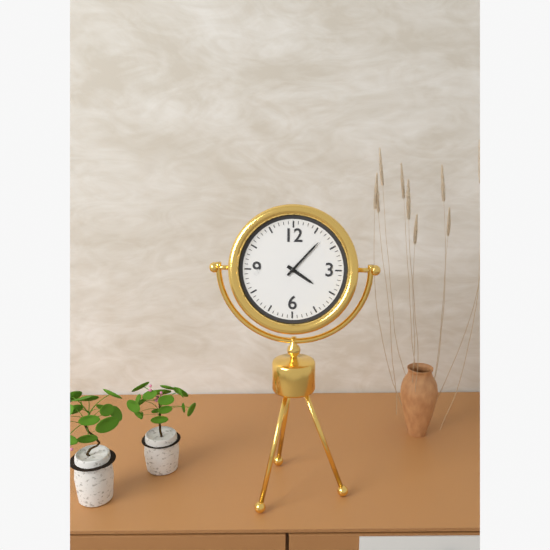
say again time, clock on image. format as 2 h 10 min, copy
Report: 4 h 07 min
